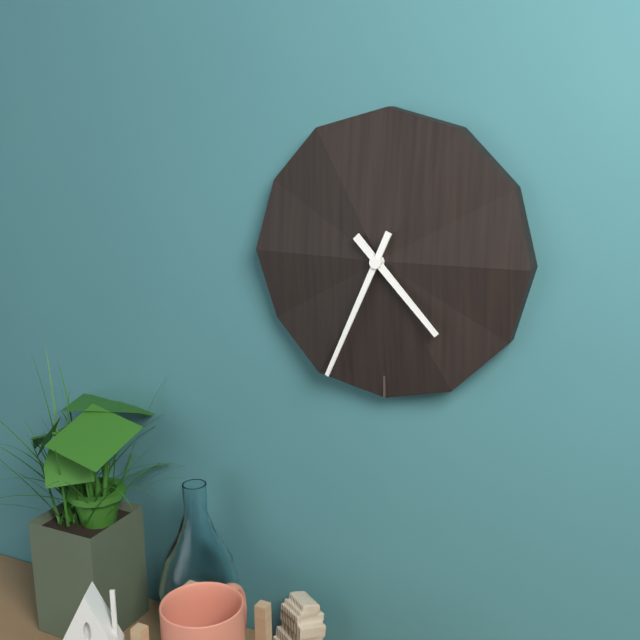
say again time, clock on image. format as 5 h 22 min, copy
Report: 4 h 34 min
